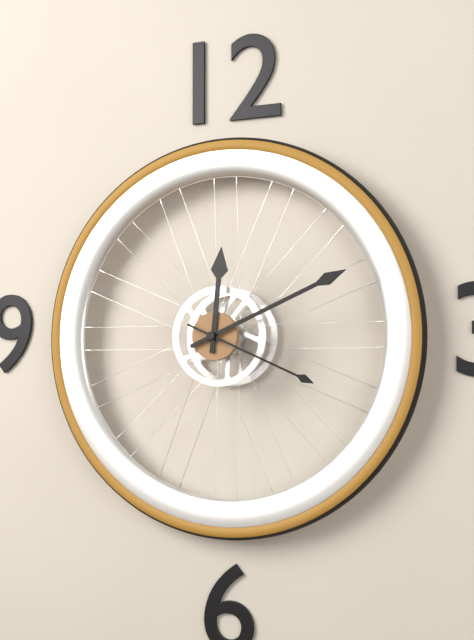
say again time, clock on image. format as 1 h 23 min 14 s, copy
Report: 12 h 11 min 19 s
